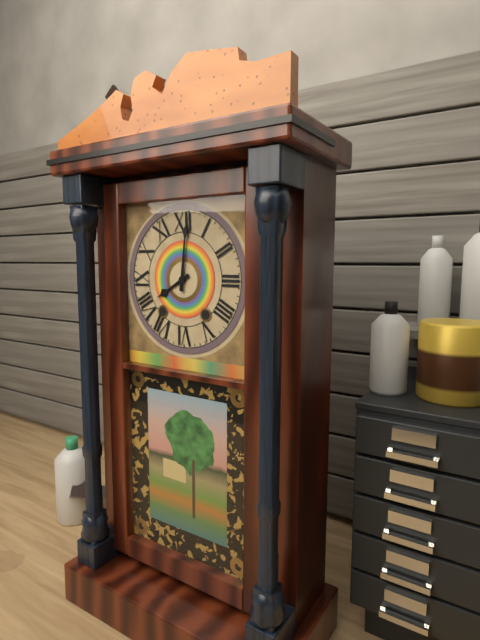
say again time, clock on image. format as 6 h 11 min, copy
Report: 8 h 01 min
